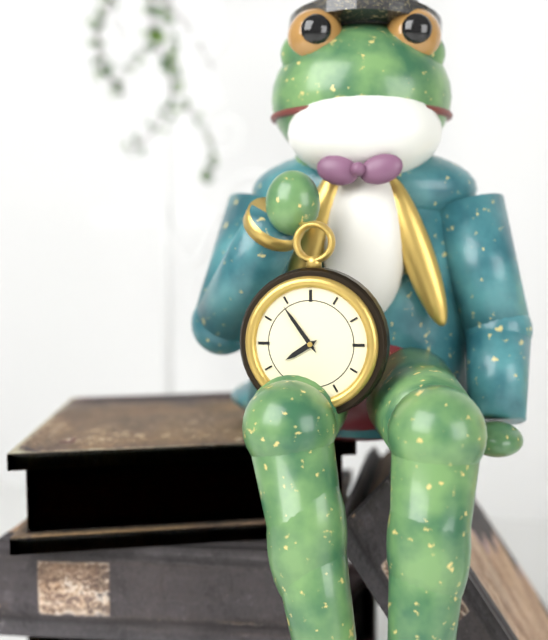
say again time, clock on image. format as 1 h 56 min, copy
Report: 7 h 54 min
